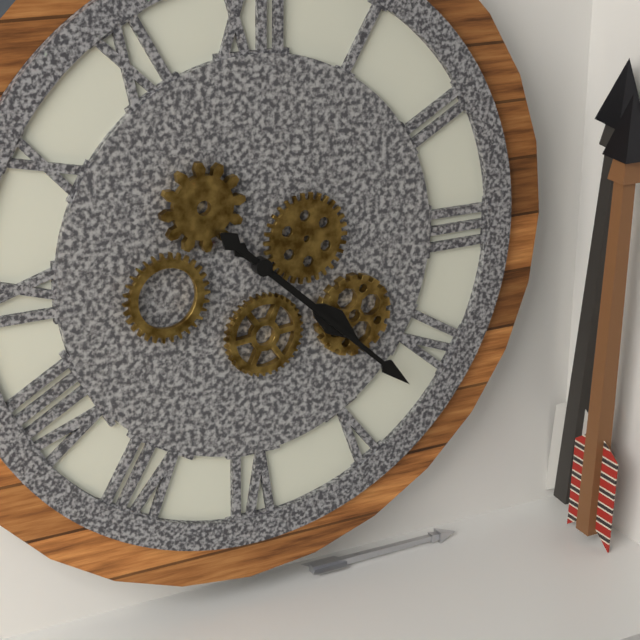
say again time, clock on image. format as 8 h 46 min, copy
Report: 4 h 22 min
